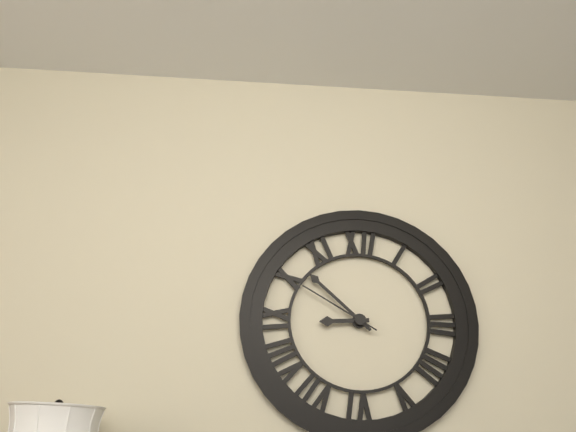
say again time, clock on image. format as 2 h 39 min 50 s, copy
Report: 8 h 52 min 50 s
